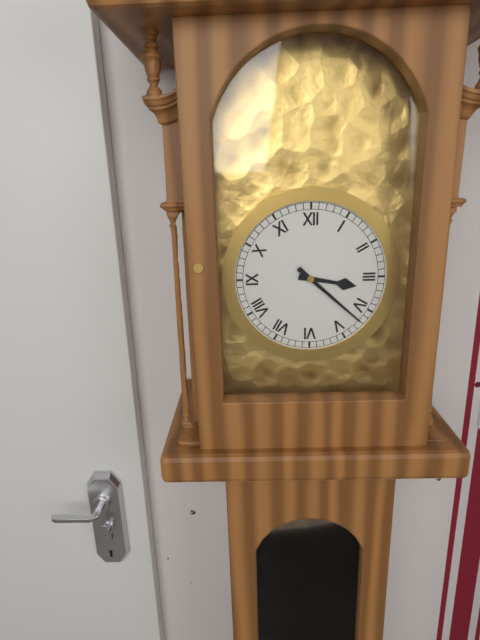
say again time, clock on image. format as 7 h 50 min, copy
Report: 3 h 22 min
